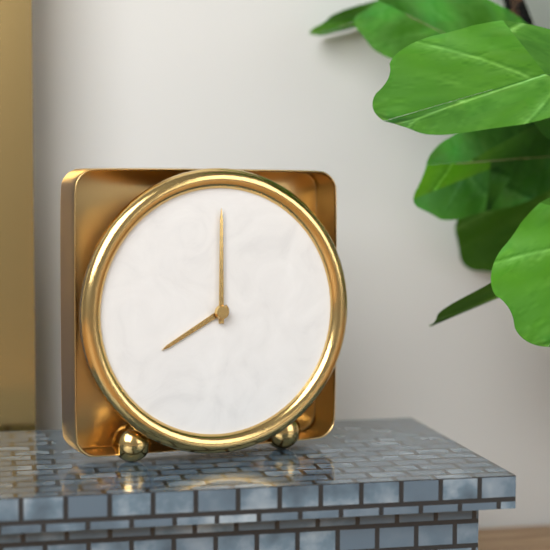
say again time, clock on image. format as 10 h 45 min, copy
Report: 8 h 00 min
